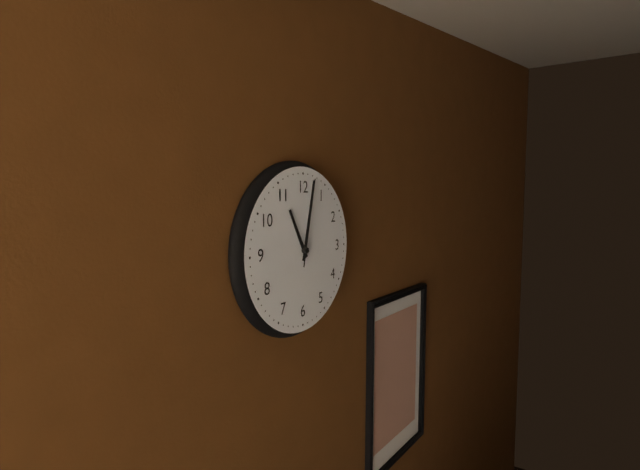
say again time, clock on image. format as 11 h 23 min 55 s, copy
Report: 11 h 02 min 02 s
